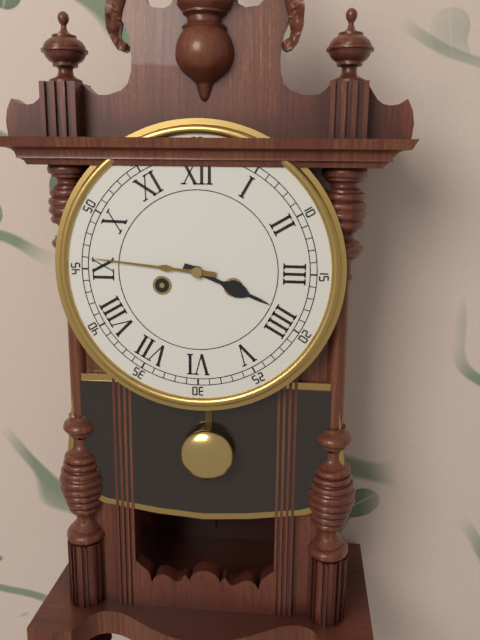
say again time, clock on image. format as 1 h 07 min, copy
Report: 3 h 46 min
